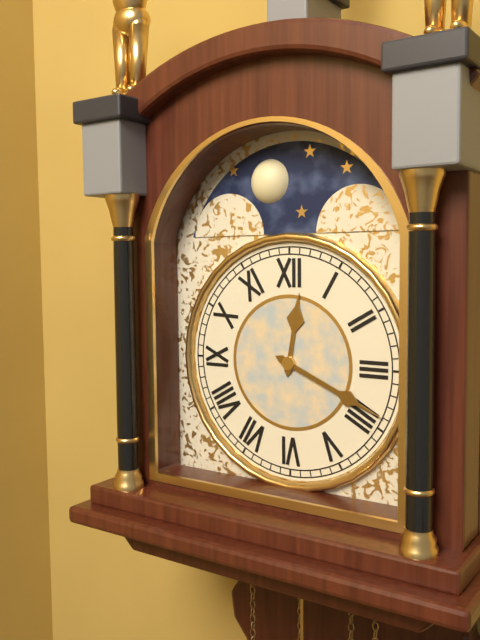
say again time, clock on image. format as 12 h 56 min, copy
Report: 12 h 19 min
